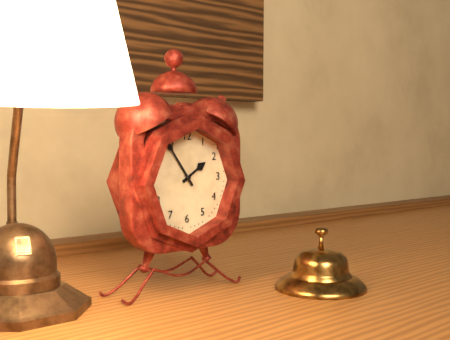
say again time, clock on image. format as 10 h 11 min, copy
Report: 1 h 54 min
